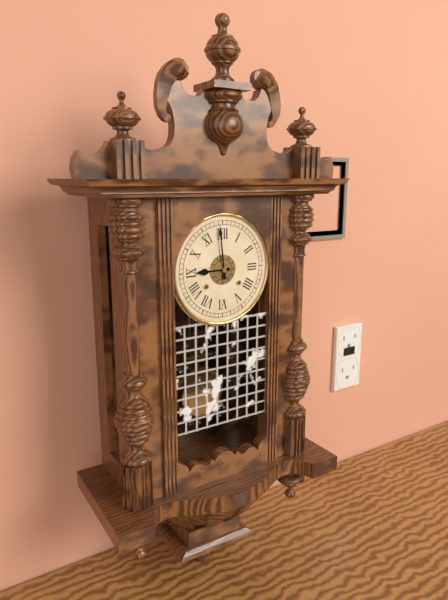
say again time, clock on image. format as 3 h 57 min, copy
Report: 8 h 59 min
